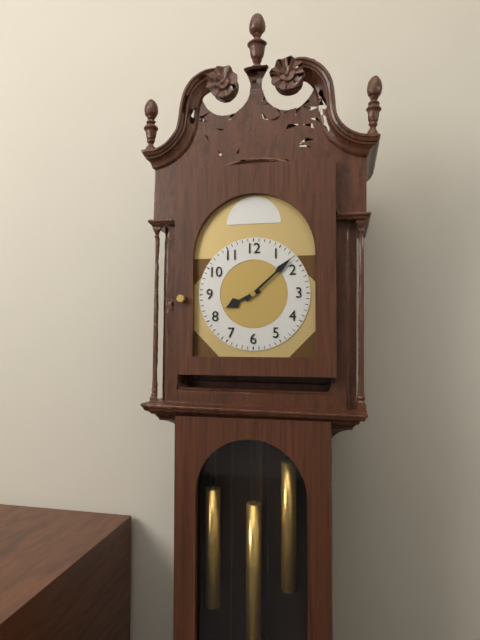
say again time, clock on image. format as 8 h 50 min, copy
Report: 8 h 08 min
